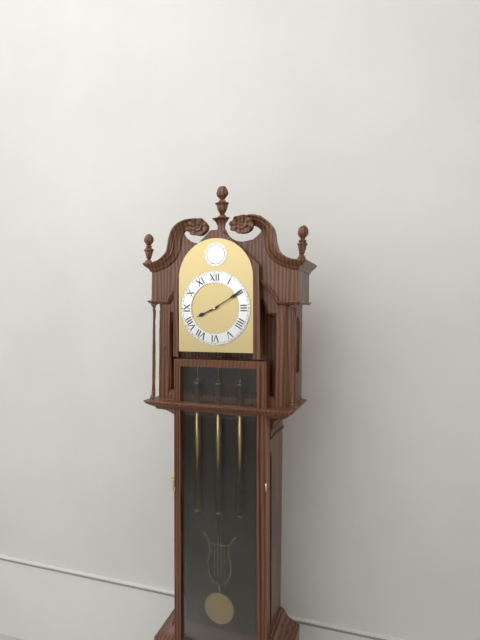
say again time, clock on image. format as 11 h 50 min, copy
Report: 8 h 10 min
